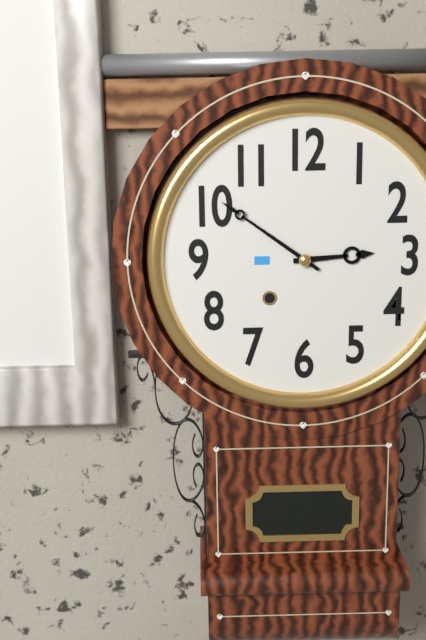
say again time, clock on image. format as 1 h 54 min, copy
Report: 2 h 51 min
